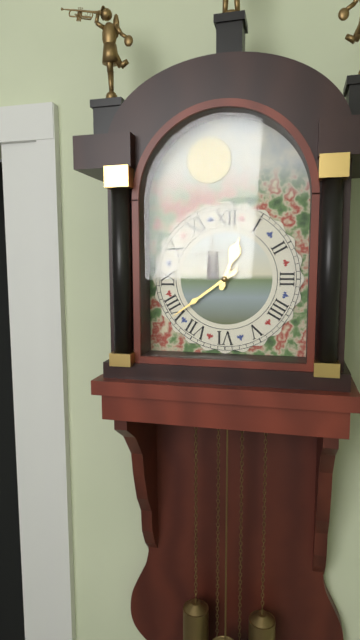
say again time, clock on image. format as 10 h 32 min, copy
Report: 12 h 39 min
